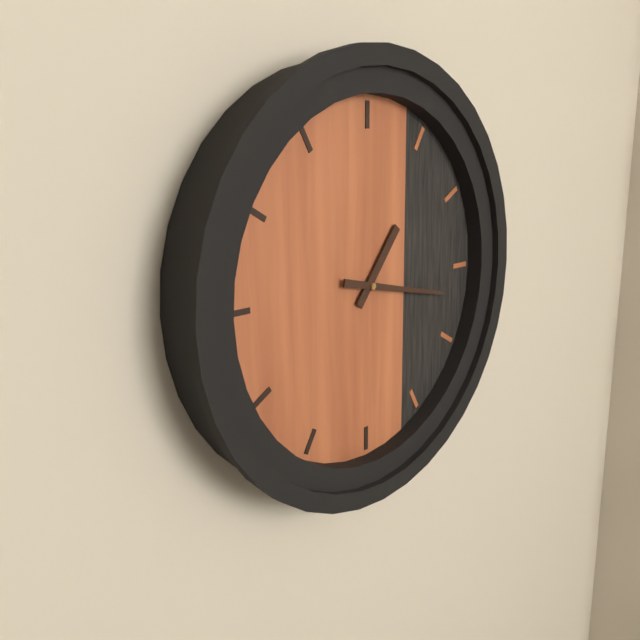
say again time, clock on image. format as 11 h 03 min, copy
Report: 1 h 17 min
